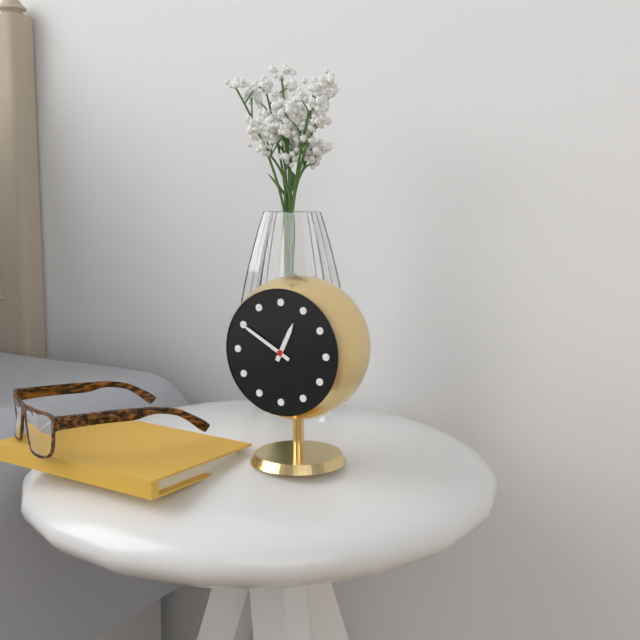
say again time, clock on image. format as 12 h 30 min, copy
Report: 12 h 50 min
